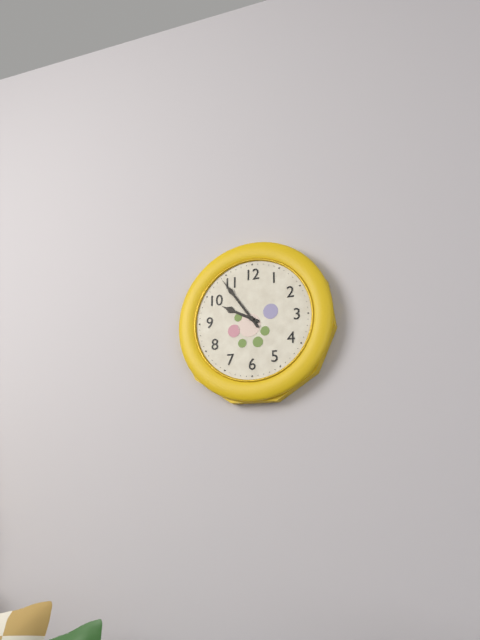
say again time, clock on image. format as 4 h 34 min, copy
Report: 9 h 54 min
